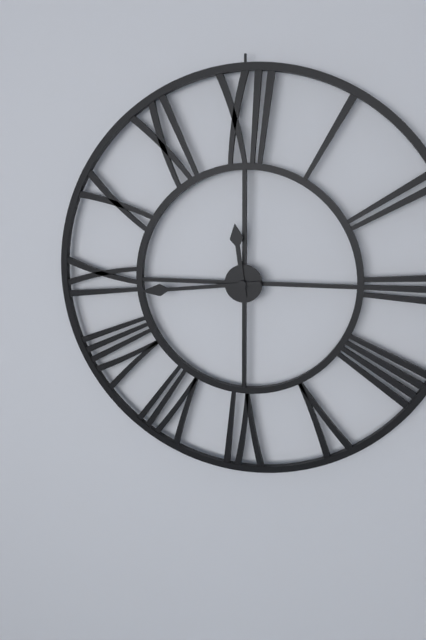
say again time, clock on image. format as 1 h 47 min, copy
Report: 11 h 44 min
